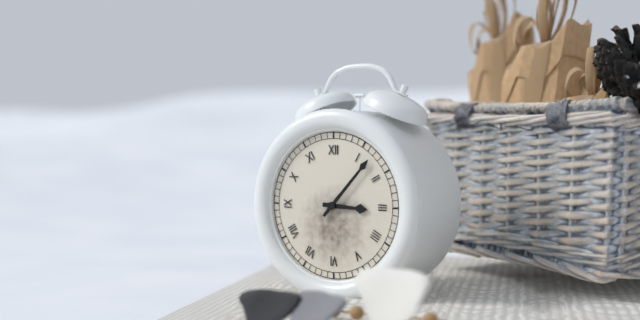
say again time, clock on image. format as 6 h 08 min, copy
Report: 3 h 07 min
